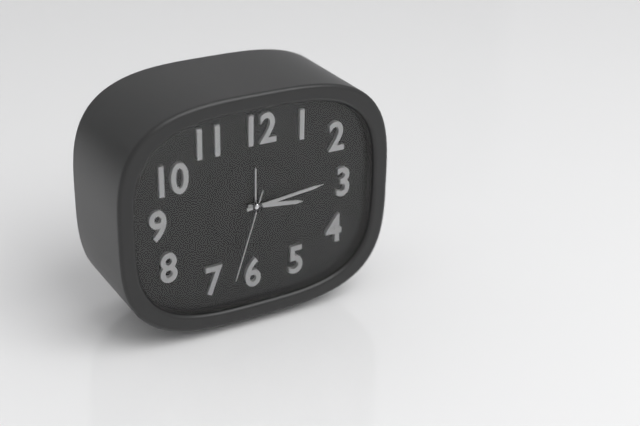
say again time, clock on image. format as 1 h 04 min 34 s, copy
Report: 3 h 14 min 33 s
